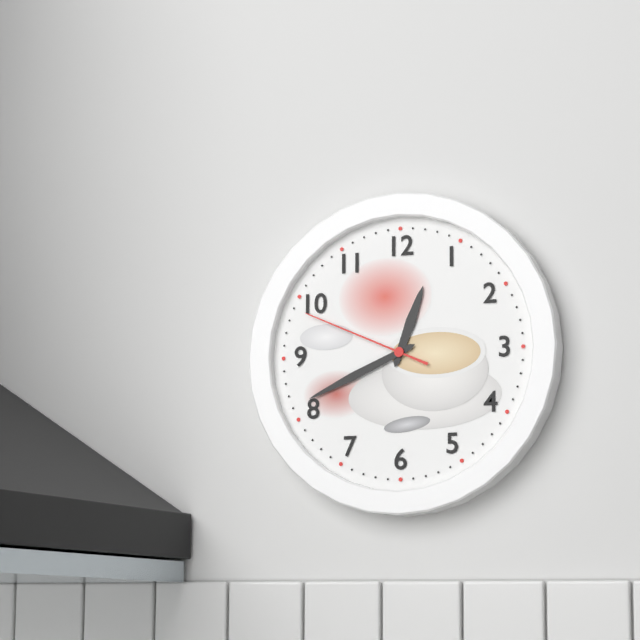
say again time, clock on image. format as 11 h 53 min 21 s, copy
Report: 12 h 41 min 49 s
